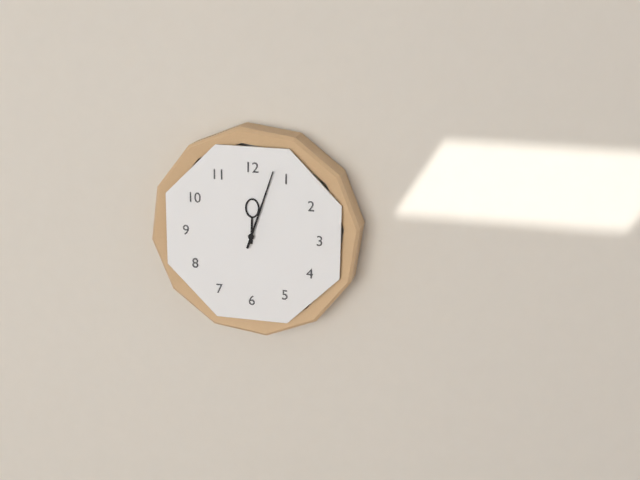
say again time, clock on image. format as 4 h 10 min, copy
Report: 12 h 03 min
